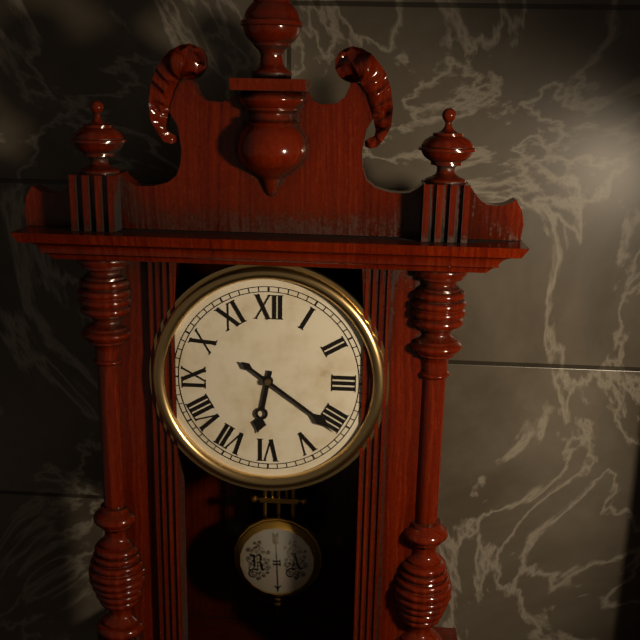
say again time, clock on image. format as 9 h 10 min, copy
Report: 6 h 21 min
